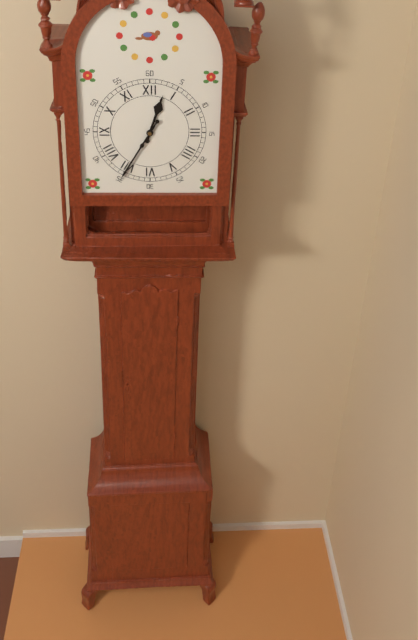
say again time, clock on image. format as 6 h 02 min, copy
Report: 12 h 35 min
